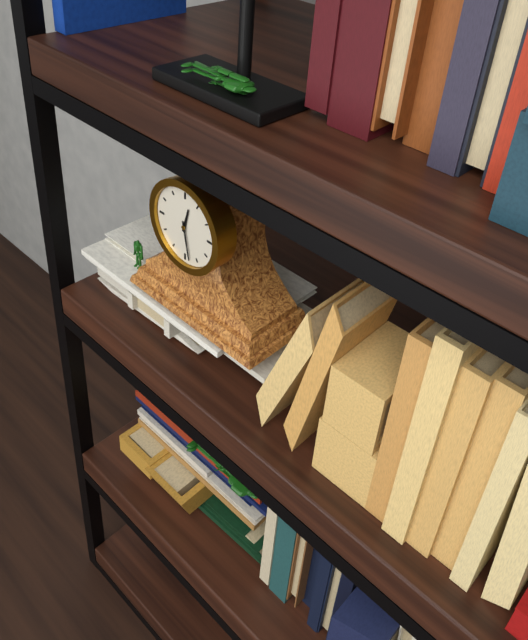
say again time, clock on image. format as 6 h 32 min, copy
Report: 12 h 28 min
